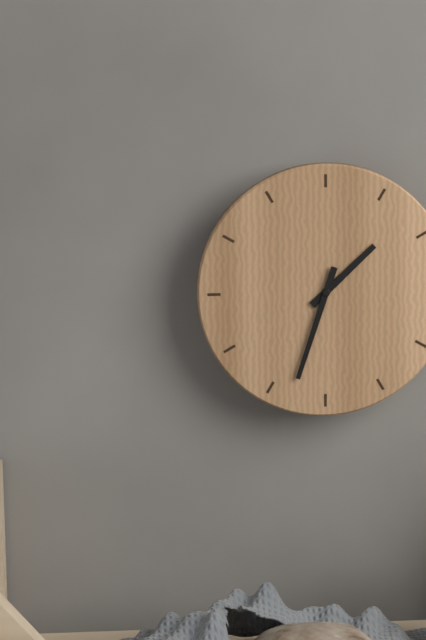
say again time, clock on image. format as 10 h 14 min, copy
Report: 1 h 33 min
